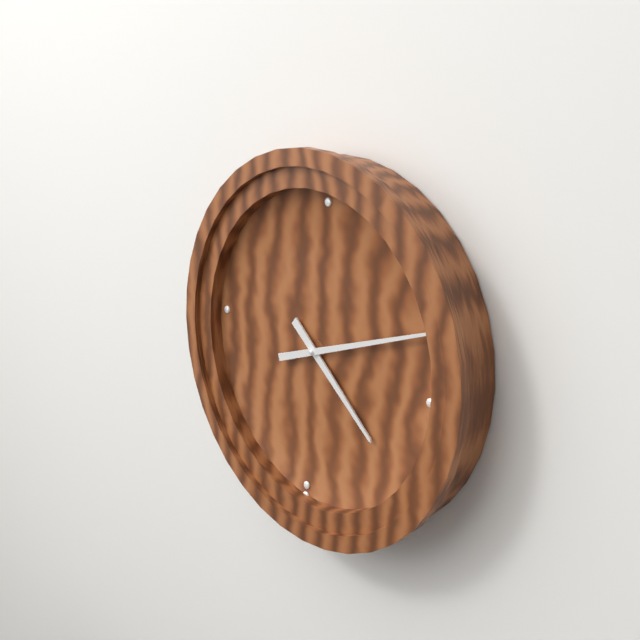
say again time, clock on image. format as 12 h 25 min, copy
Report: 4 h 11 min
